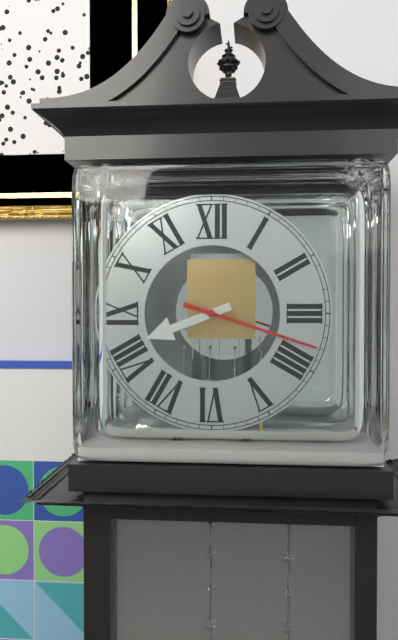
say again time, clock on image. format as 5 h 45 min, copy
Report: 8 h 18 min
